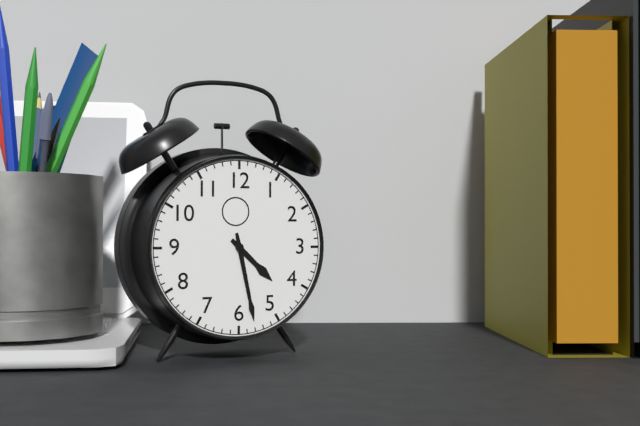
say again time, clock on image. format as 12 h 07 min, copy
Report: 4 h 28 min
